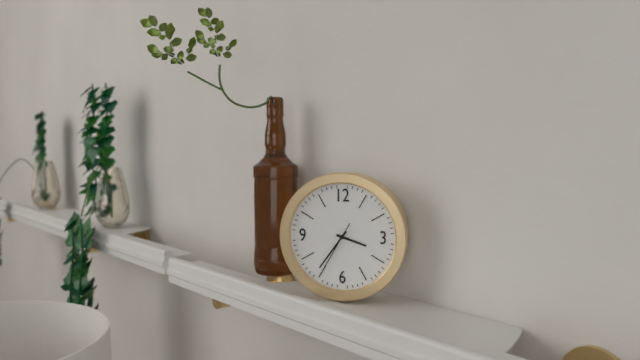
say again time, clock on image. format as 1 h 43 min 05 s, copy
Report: 3 h 36 min 35 s
